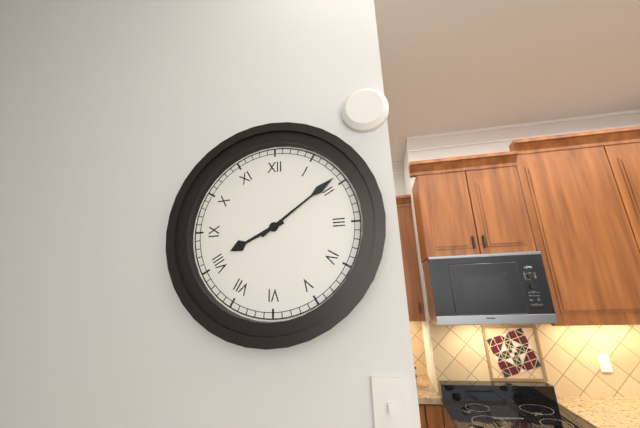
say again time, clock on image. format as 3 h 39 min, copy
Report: 8 h 09 min
